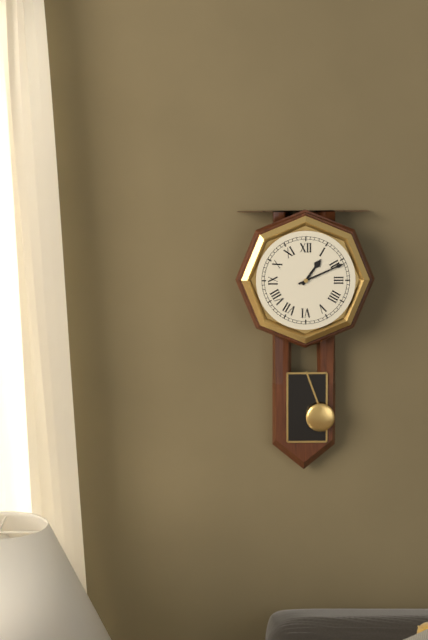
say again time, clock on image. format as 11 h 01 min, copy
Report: 1 h 11 min
